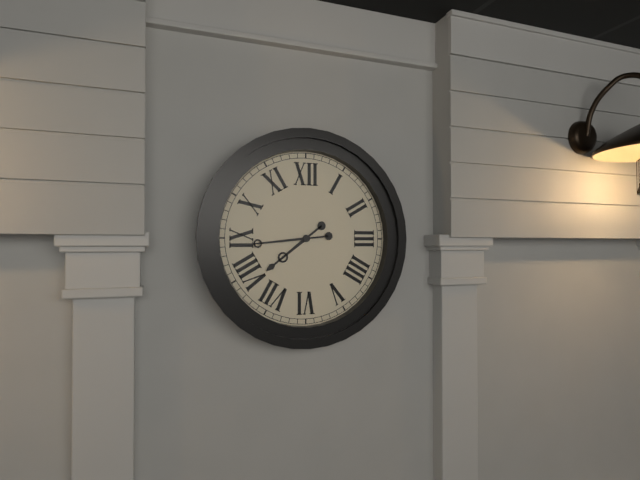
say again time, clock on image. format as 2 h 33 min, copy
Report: 7 h 44 min
